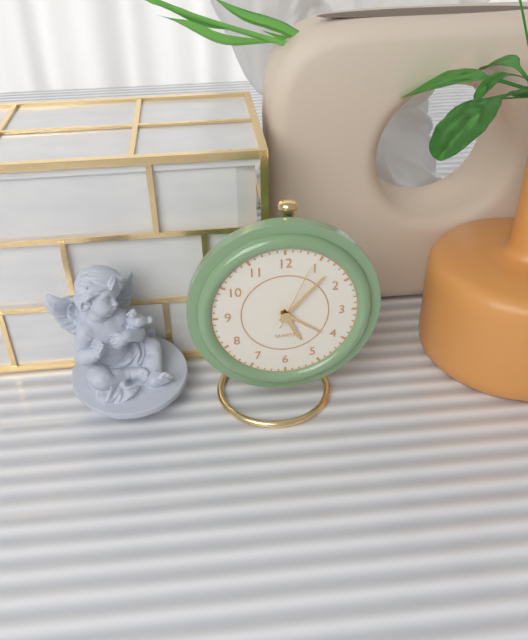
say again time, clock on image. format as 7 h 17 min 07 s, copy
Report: 5 h 07 min 04 s
